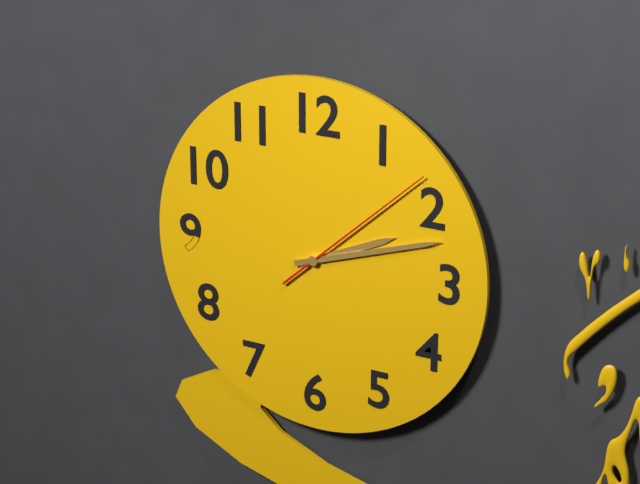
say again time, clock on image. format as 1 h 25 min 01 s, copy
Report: 2 h 12 min 08 s
